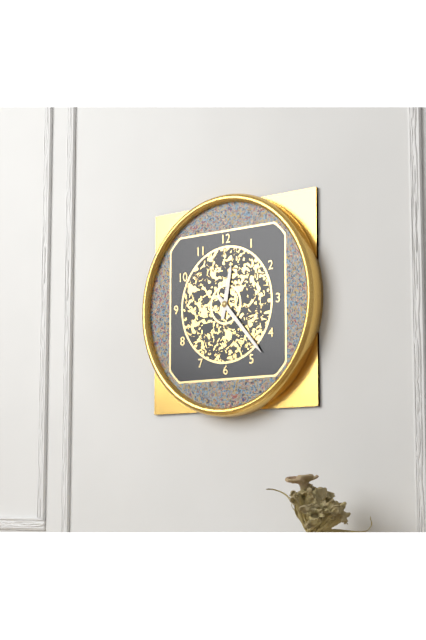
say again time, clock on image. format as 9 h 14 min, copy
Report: 12 h 23 min
